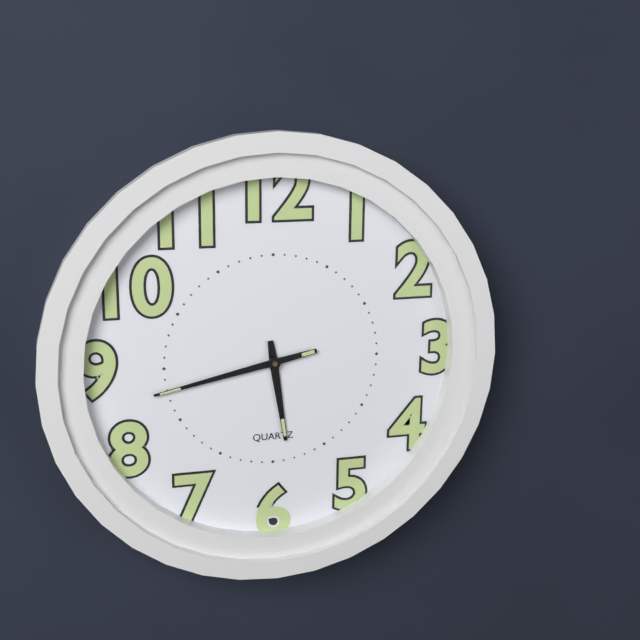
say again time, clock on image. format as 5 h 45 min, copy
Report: 5 h 43 min
